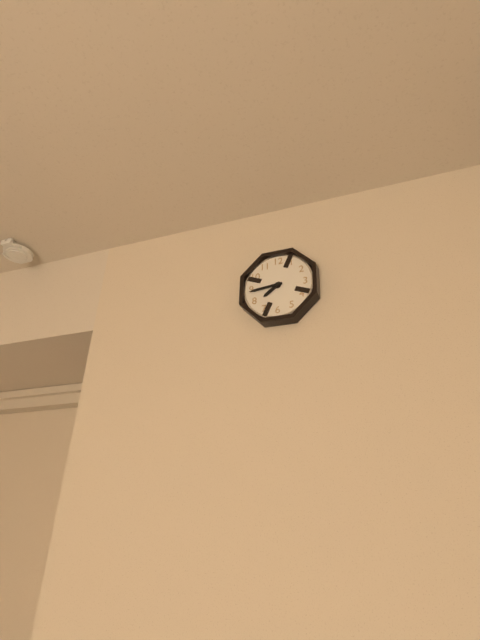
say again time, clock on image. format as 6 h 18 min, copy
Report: 7 h 44 min
